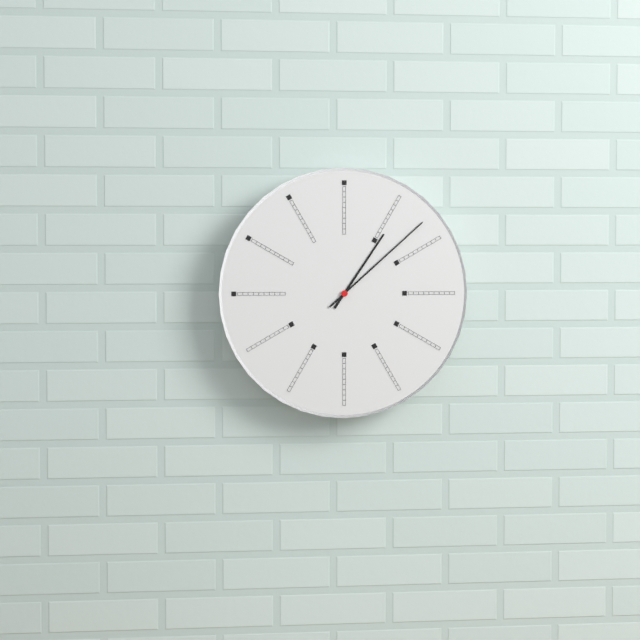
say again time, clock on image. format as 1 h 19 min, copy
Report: 1 h 08 min
